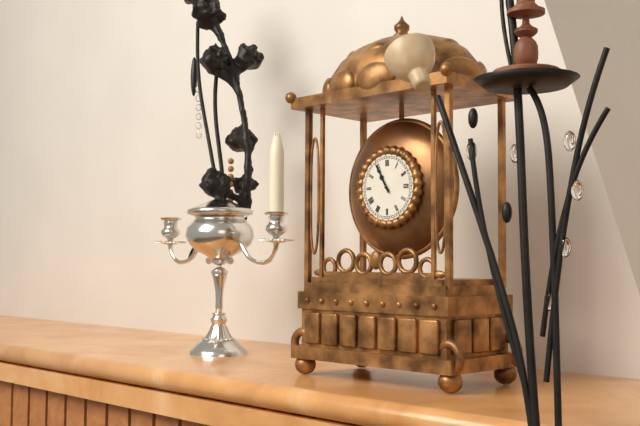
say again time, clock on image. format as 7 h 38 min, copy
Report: 10 h 55 min
